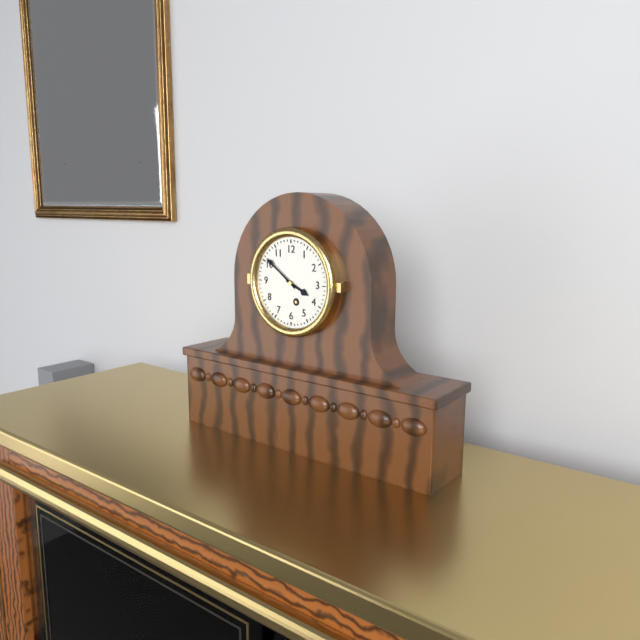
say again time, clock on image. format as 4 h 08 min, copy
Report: 3 h 51 min
